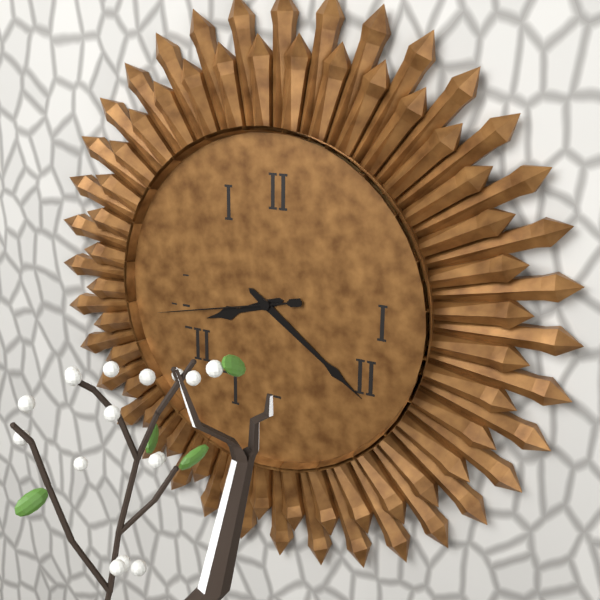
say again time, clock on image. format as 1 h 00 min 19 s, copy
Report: 8 h 21 min 43 s
